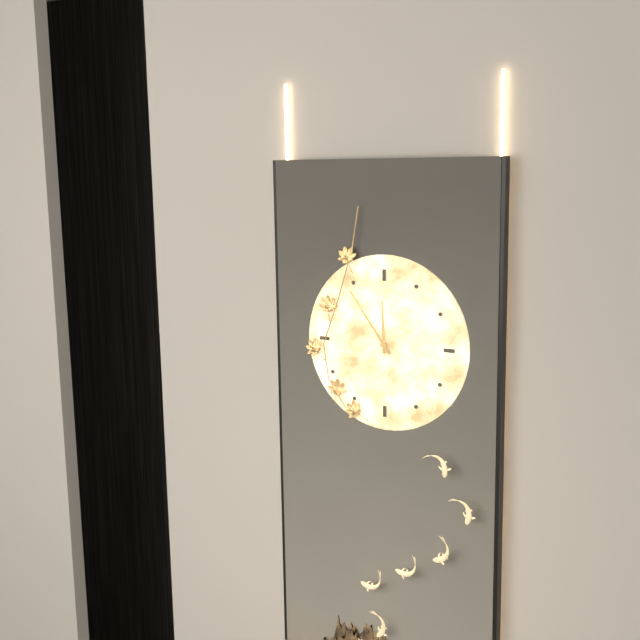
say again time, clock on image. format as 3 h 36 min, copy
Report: 11 h 54 min
